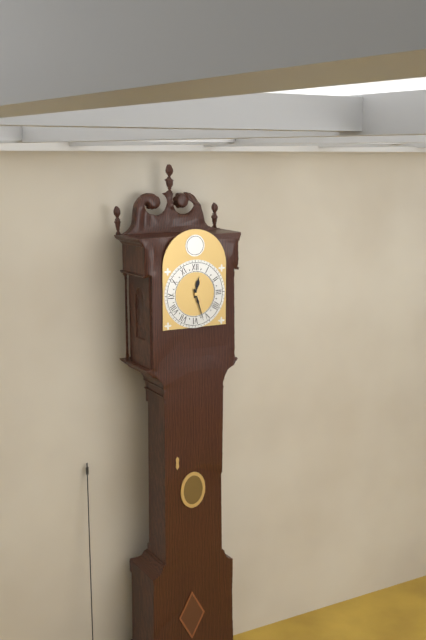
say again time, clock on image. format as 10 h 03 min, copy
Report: 12 h 27 min
